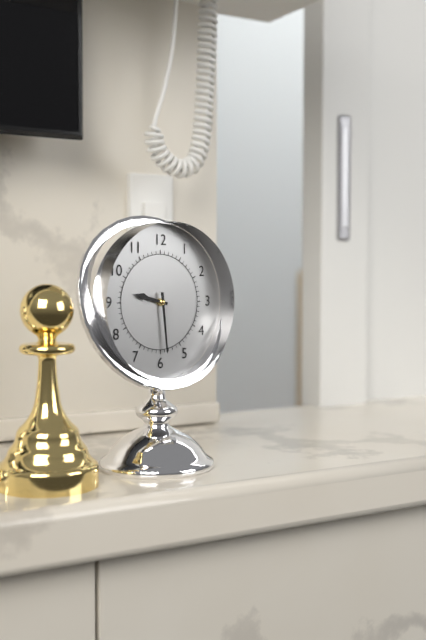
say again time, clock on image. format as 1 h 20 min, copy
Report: 9 h 29 min
